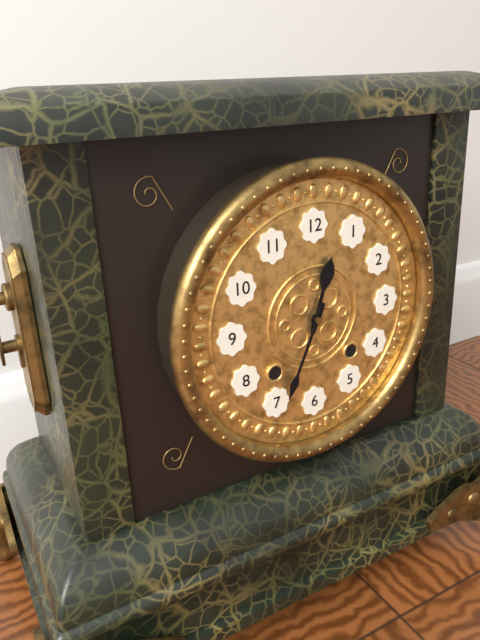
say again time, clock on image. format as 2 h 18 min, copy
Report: 12 h 34 min
